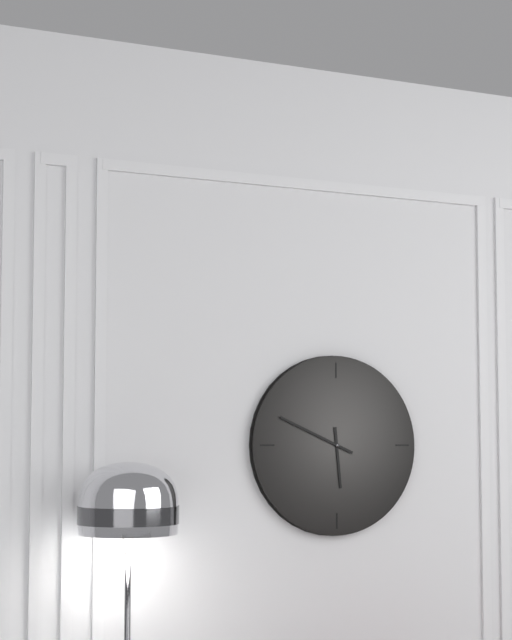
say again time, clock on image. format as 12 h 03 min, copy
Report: 5 h 49 min
